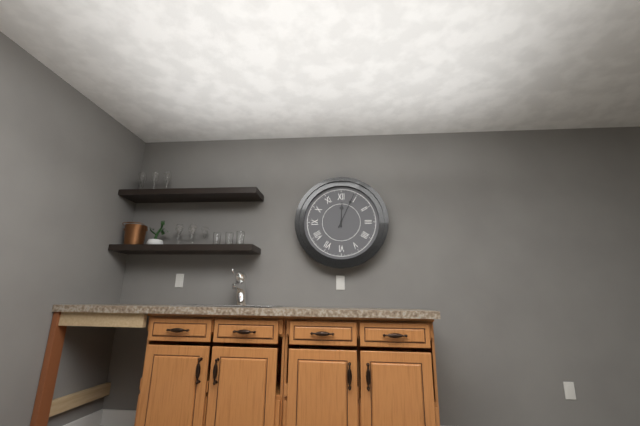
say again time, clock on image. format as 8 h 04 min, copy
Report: 12 h 04 min
